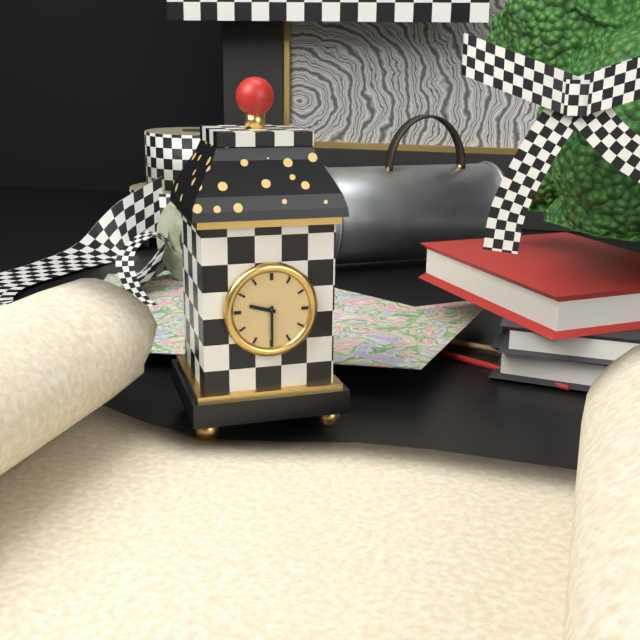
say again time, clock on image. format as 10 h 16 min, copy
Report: 9 h 30 min
